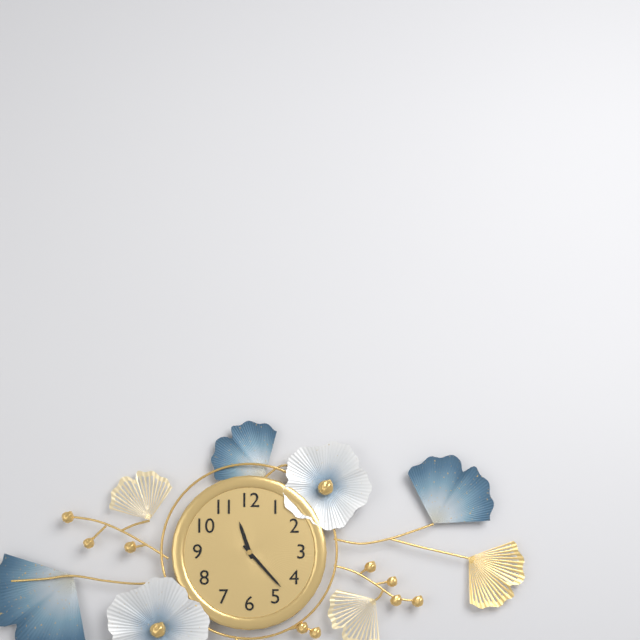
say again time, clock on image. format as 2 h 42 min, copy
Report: 11 h 23 min
